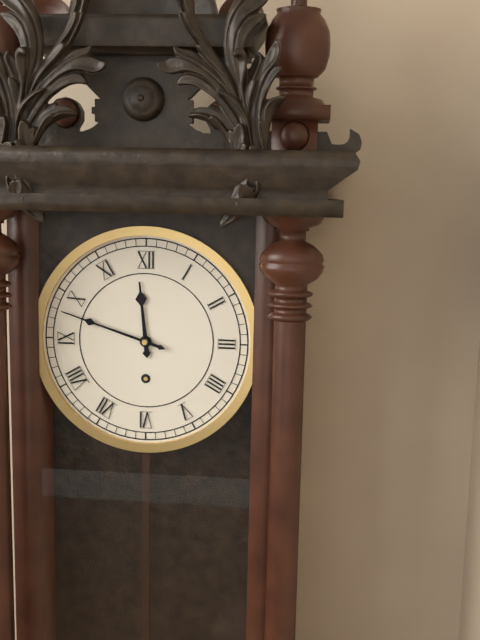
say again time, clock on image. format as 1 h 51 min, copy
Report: 11 h 48 min
